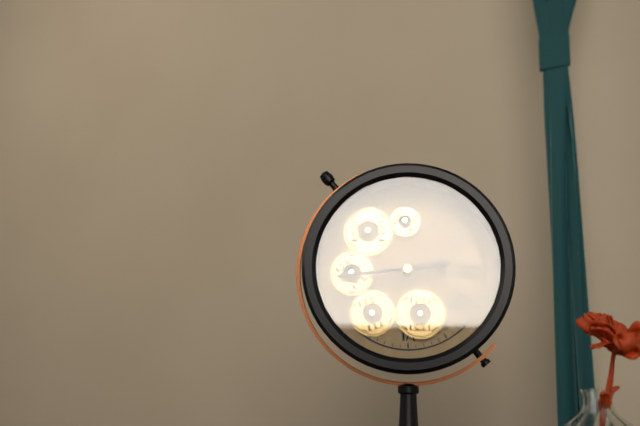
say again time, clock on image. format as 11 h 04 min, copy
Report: 2 h 44 min
